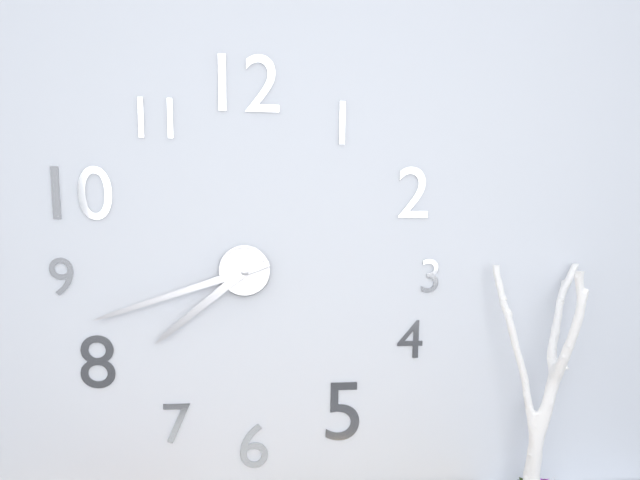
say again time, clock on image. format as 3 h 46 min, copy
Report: 7 h 42 min
